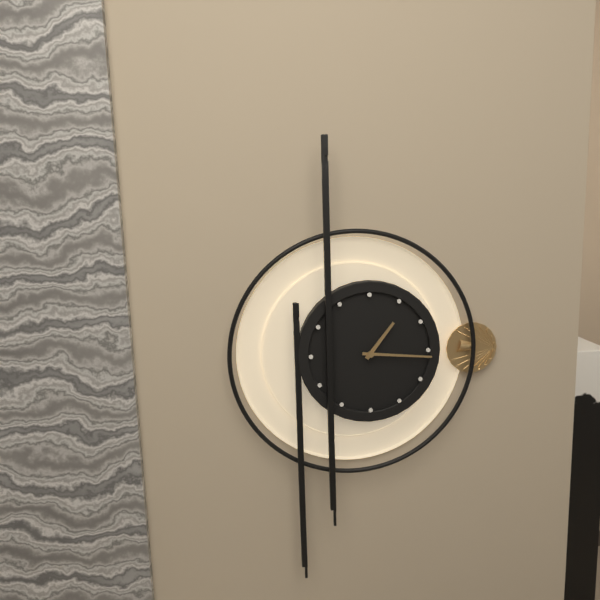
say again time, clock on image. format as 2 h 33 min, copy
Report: 1 h 16 min
